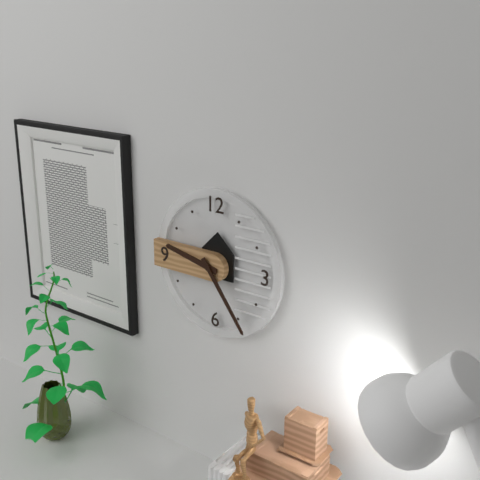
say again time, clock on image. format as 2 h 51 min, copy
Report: 9 h 24 min
